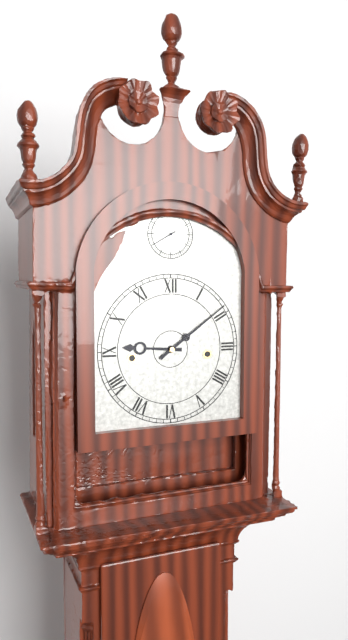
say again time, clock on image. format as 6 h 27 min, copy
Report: 9 h 09 min
